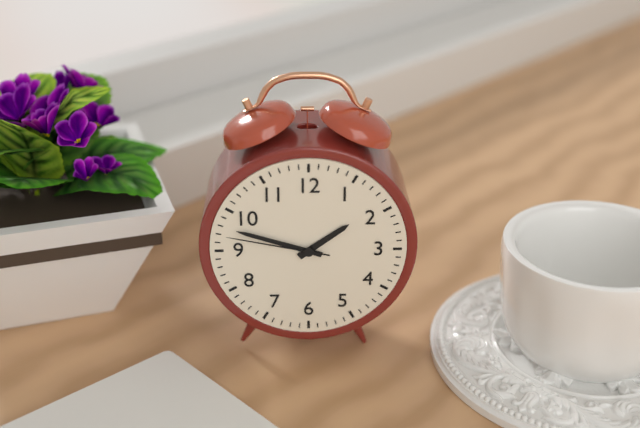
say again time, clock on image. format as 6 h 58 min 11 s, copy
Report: 1 h 48 min 47 s
